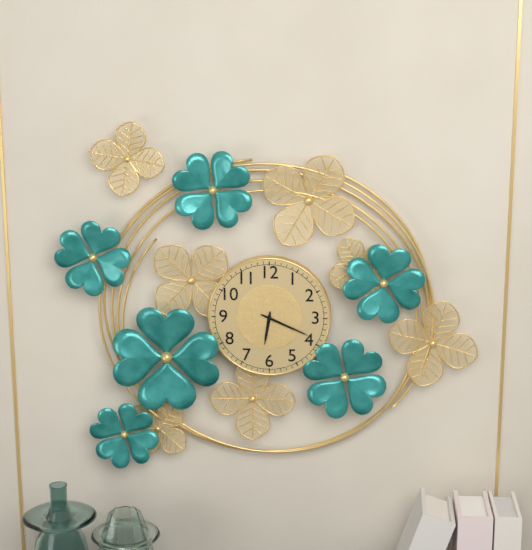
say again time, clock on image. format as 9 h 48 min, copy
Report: 6 h 19 min
